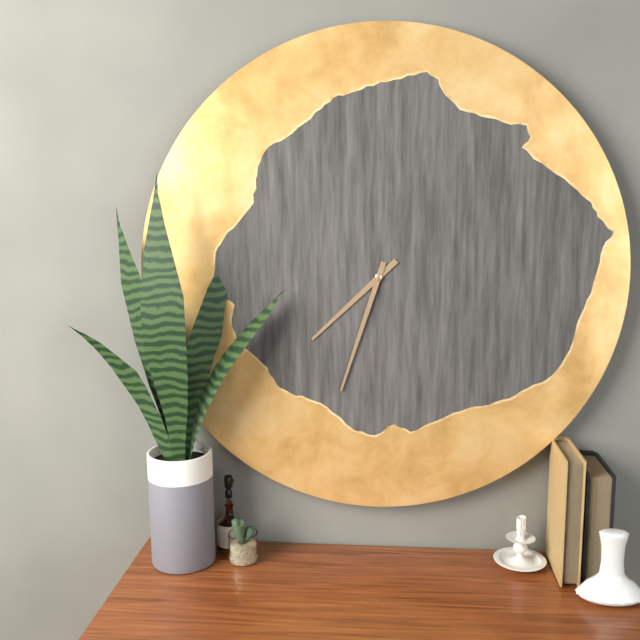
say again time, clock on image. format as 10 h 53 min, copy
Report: 7 h 33 min
